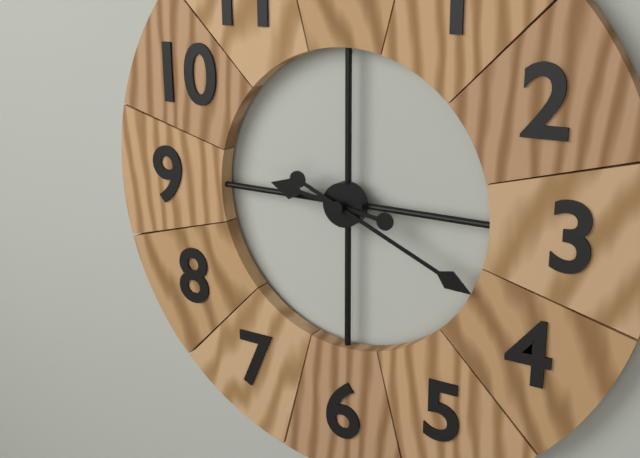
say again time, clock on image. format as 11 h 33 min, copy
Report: 9 h 19 min
